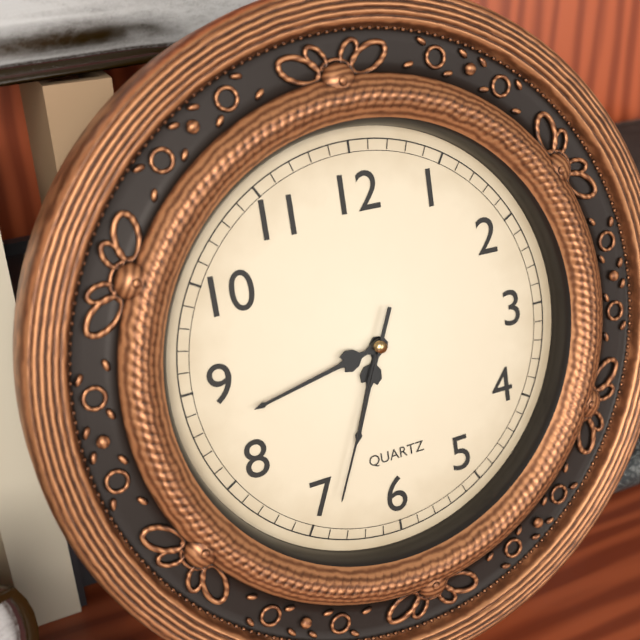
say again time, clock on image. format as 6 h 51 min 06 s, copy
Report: 6 h 43 min 34 s
